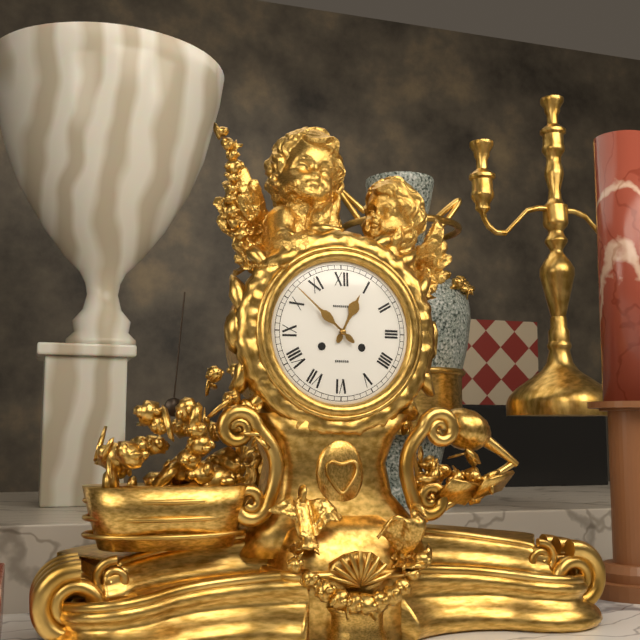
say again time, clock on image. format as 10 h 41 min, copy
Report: 12 h 52 min
